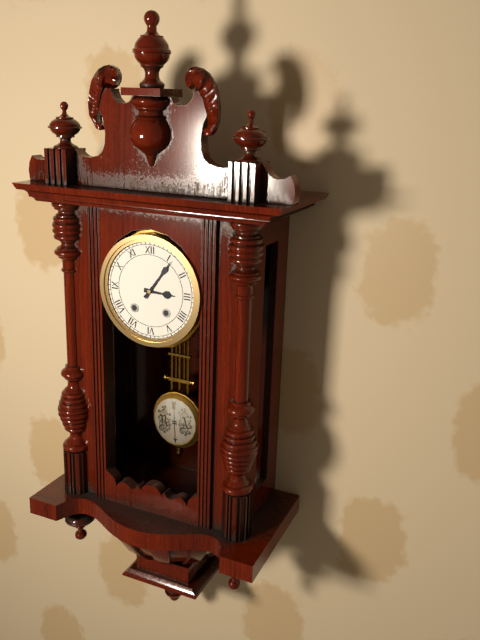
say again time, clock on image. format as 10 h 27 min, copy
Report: 3 h 06 min
